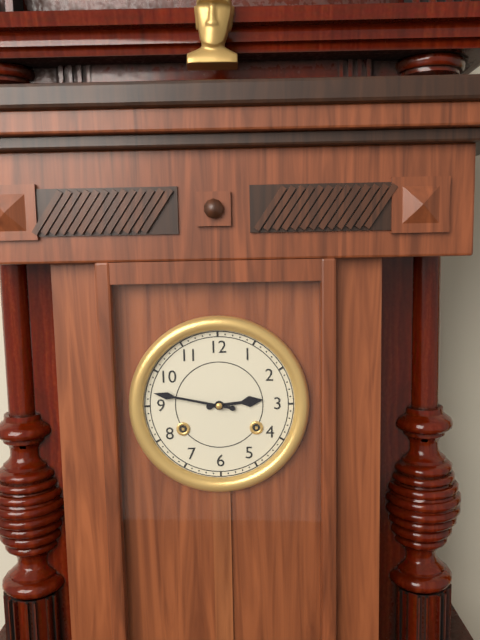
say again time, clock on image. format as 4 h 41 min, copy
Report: 2 h 47 min
